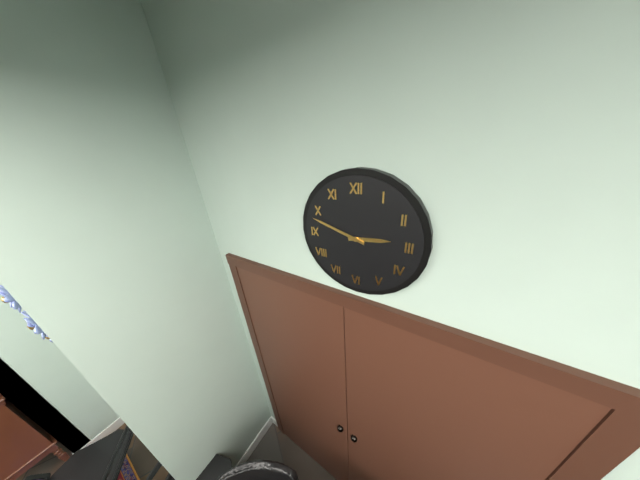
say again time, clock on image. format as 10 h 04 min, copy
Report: 2 h 48 min
